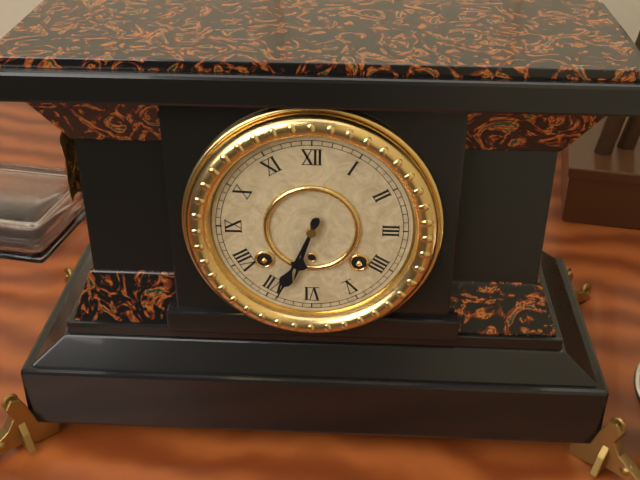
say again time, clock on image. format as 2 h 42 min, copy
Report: 6 h 34 min
